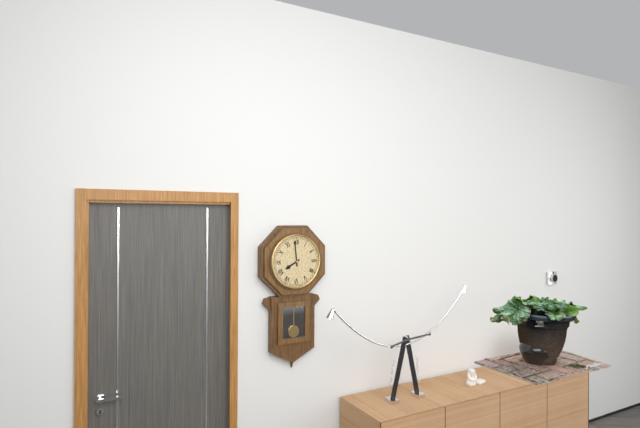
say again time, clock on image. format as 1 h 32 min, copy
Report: 7 h 59 min
